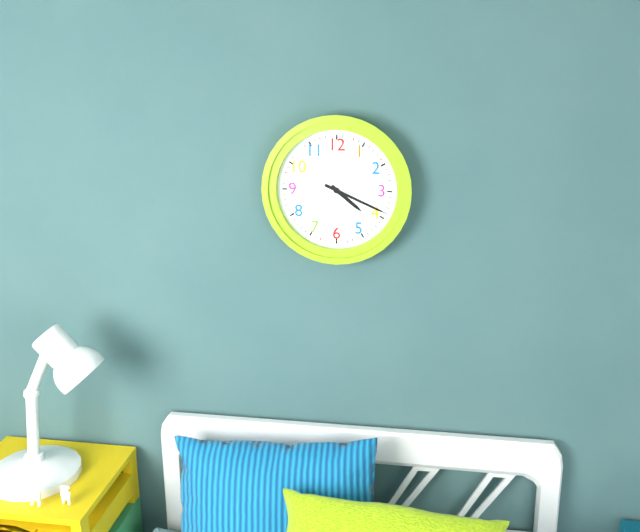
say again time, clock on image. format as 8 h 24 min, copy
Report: 4 h 19 min
